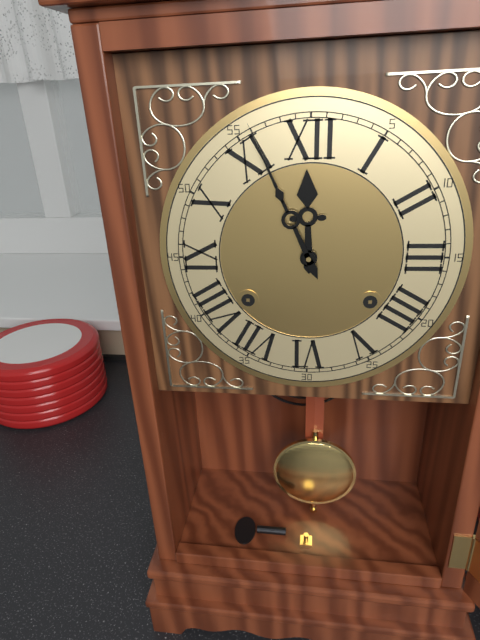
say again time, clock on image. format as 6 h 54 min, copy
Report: 11 h 56 min
